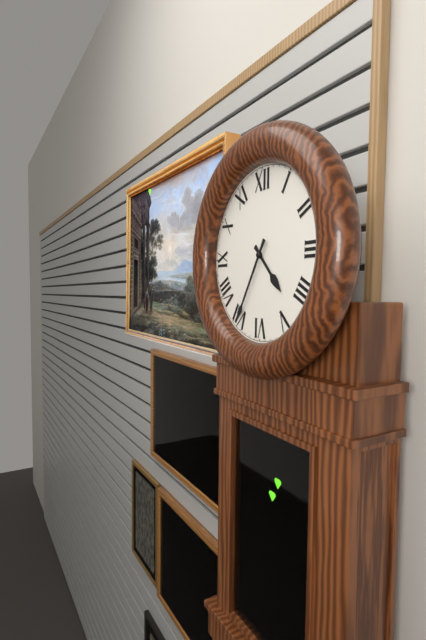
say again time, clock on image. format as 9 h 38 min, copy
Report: 4 h 35 min
